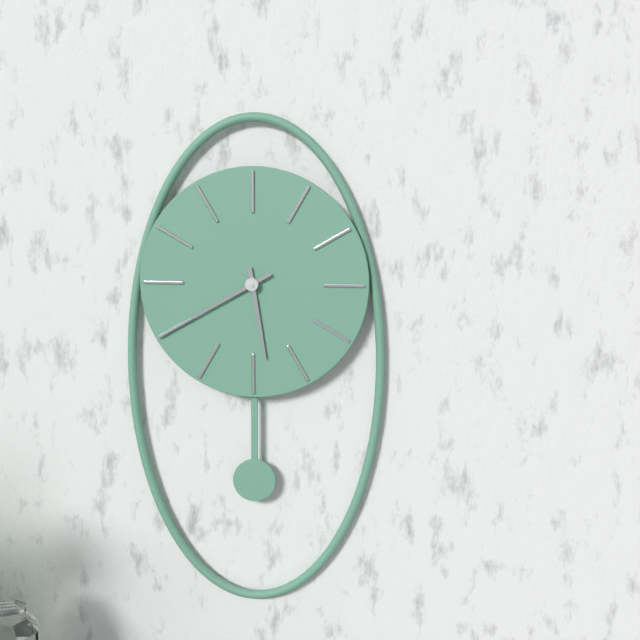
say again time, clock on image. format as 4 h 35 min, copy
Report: 5 h 40 min
